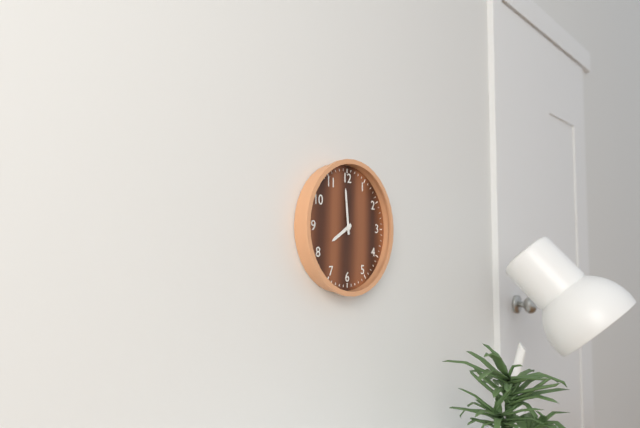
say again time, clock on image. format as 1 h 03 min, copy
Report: 7 h 59 min
